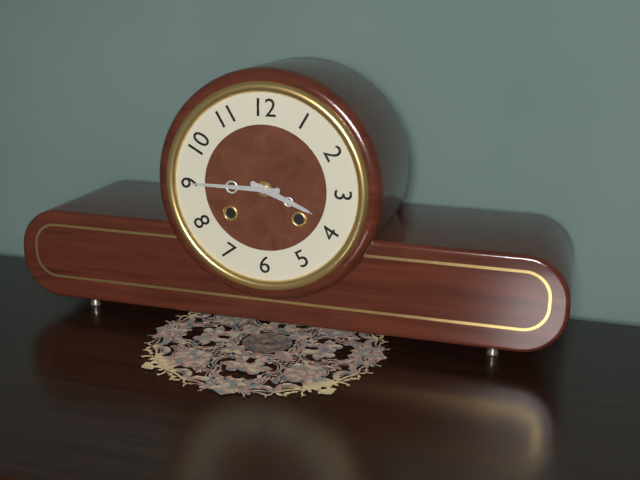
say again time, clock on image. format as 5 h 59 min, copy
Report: 3 h 45 min
